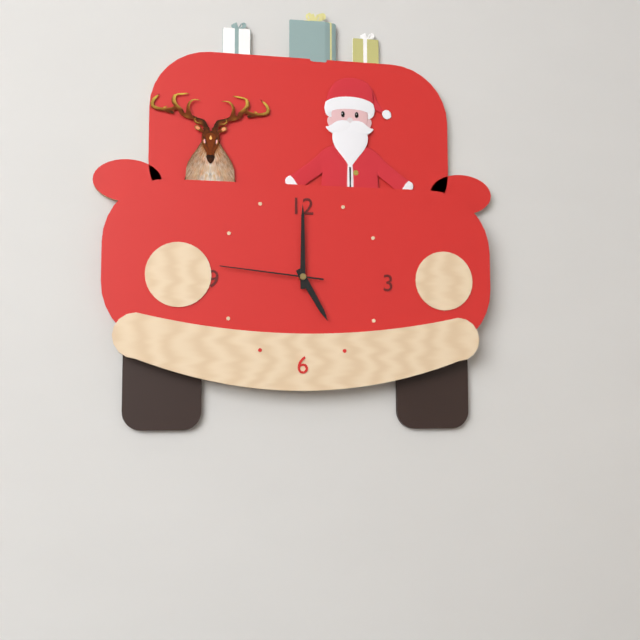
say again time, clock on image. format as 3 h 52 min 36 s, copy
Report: 5 h 00 min 46 s
